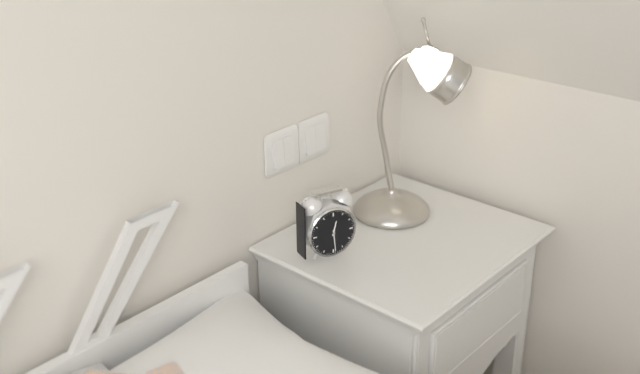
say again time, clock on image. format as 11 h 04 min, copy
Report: 12 h 29 min
